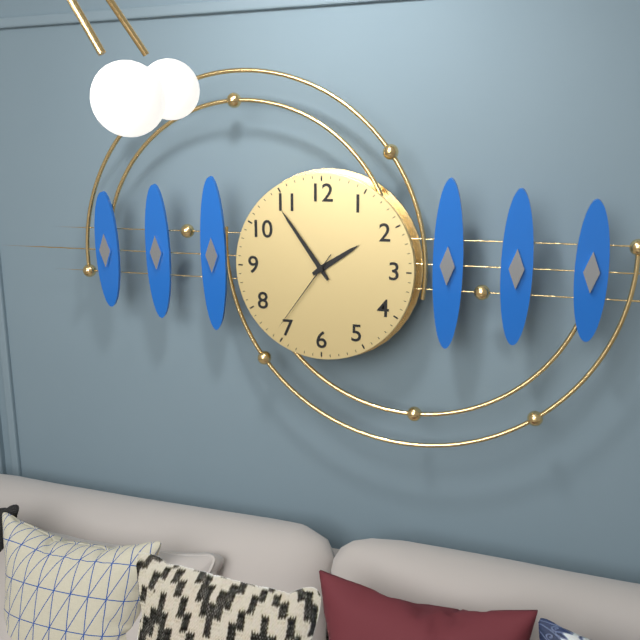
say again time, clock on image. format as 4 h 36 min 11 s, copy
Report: 1 h 54 min 36 s
